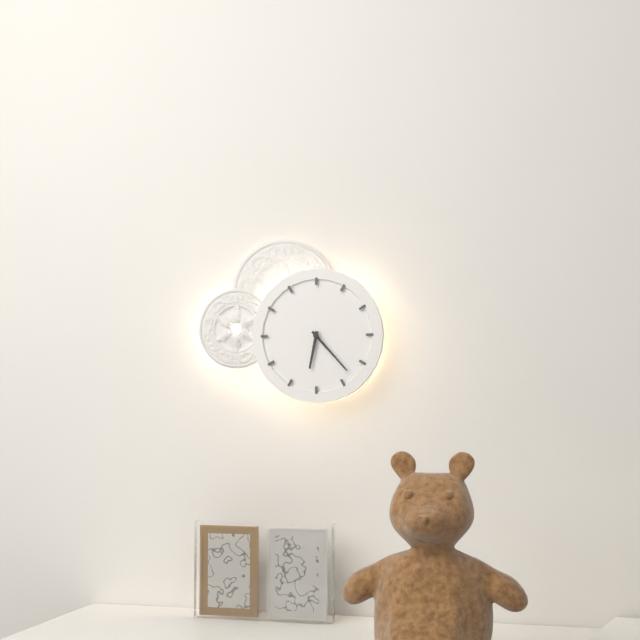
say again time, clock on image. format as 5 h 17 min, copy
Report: 6 h 23 min
